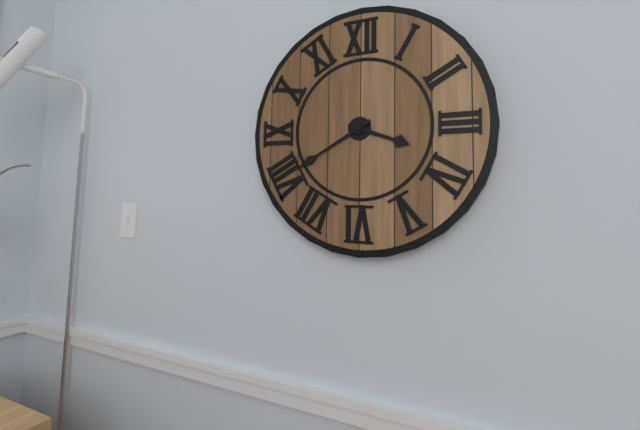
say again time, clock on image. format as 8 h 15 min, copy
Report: 3 h 40 min
